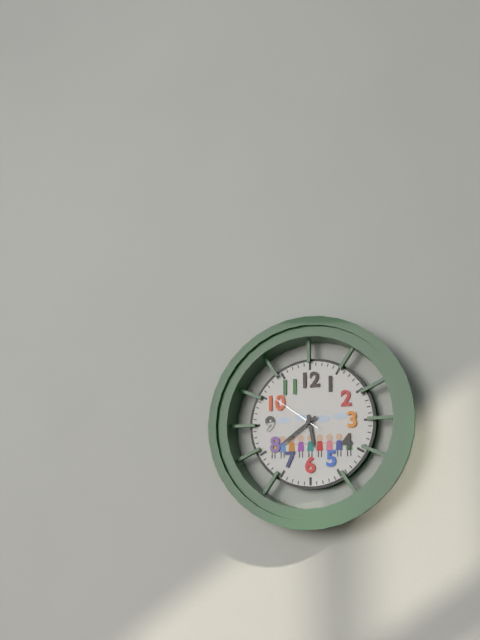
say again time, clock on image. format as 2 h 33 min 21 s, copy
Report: 5 h 39 min 51 s
